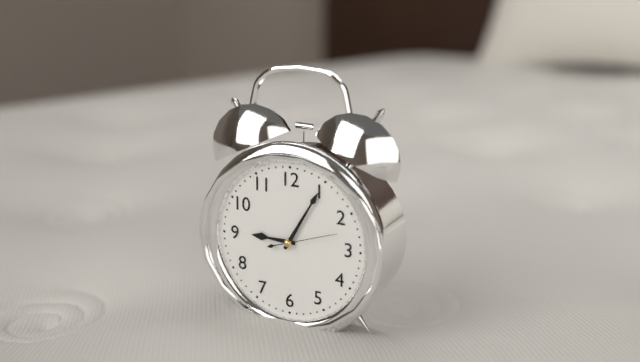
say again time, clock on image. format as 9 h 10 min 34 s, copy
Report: 9 h 05 min 12 s
